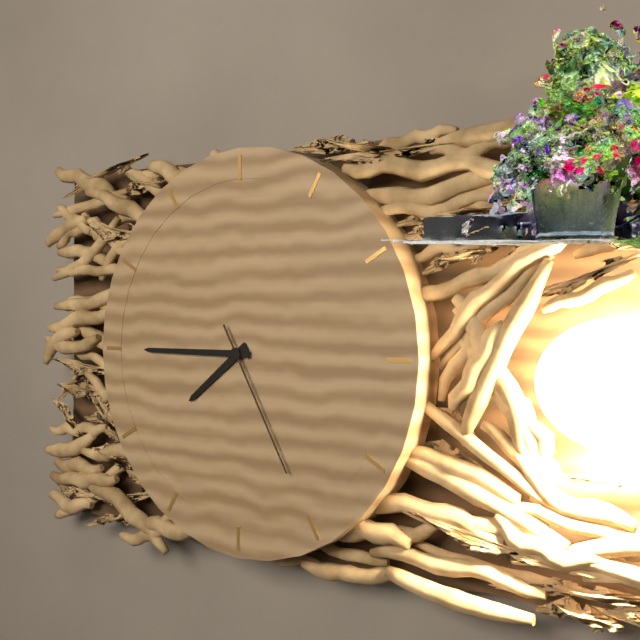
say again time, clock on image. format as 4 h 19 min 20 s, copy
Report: 7 h 45 min 25 s
